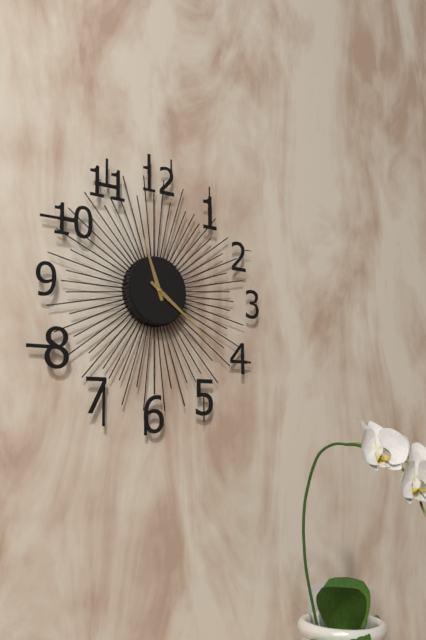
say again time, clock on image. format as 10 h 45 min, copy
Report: 11 h 21 min
